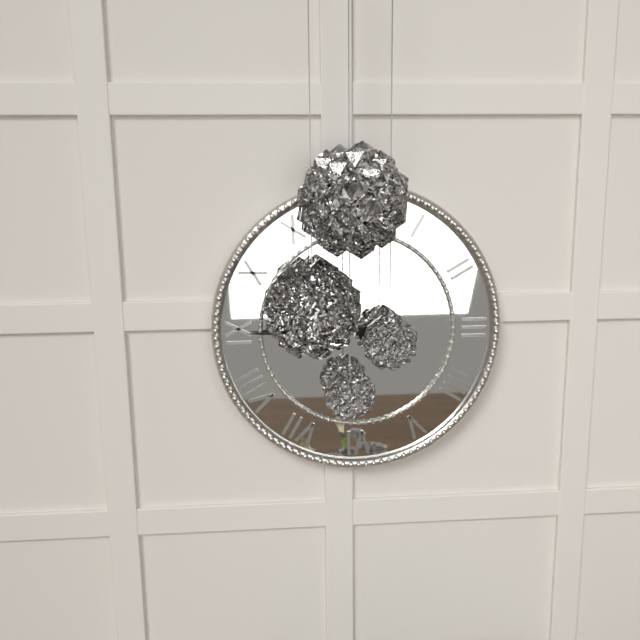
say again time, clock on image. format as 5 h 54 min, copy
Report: 10 h 45 min
